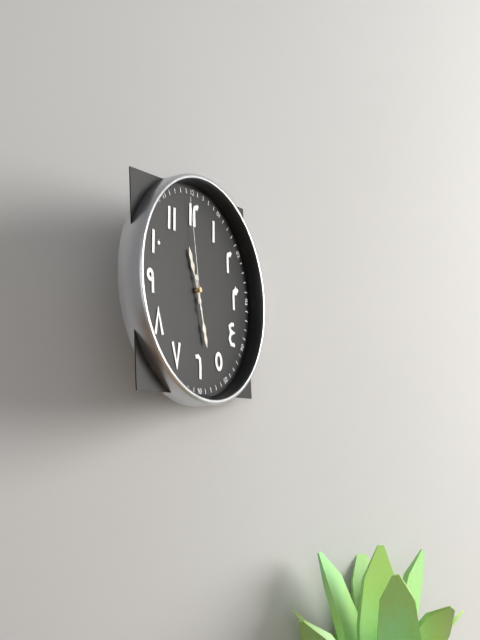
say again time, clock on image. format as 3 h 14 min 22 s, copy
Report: 11 h 28 min 59 s
